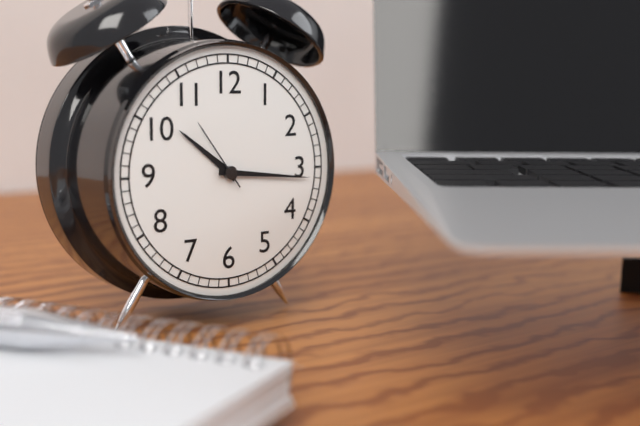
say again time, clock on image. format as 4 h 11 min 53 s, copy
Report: 10 h 16 min 54 s
